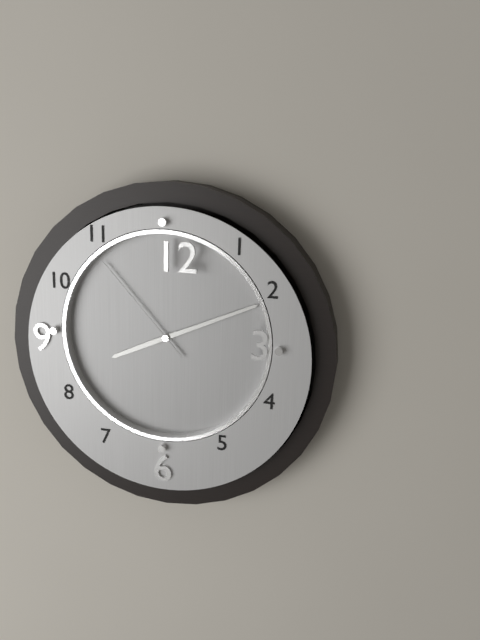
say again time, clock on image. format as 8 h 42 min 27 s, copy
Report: 8 h 11 min 53 s
